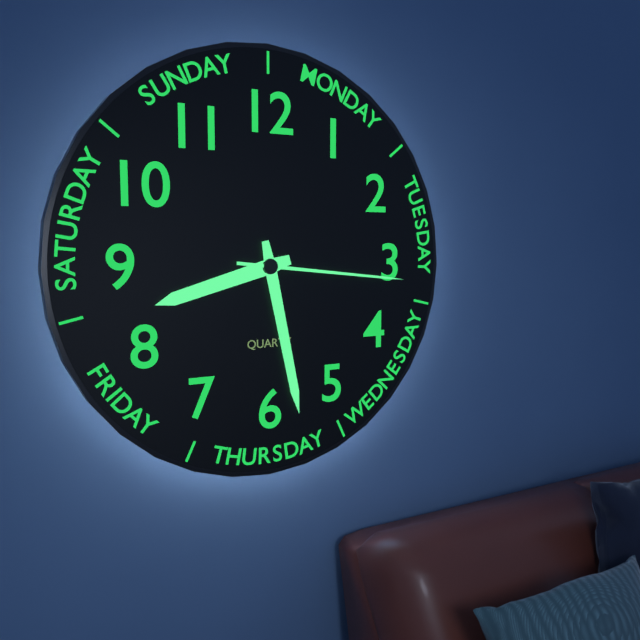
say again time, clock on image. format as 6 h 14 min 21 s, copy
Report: 8 h 28 min 16 s
